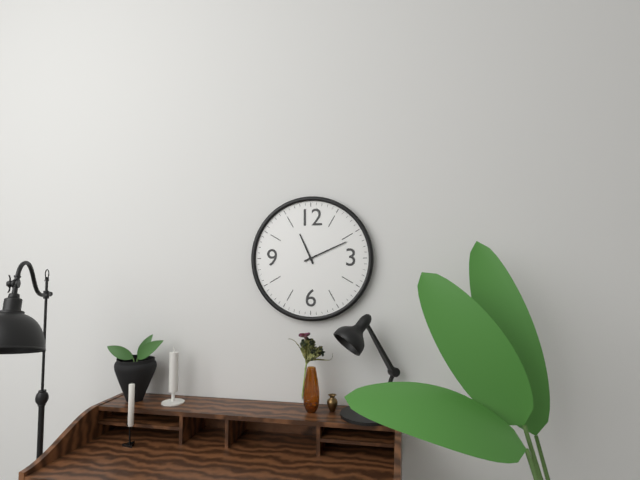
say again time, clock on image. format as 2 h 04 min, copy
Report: 11 h 11 min
